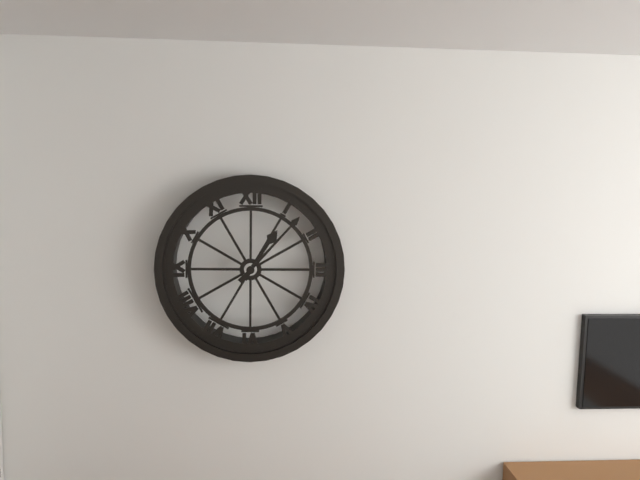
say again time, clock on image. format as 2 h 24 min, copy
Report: 1 h 07 min
